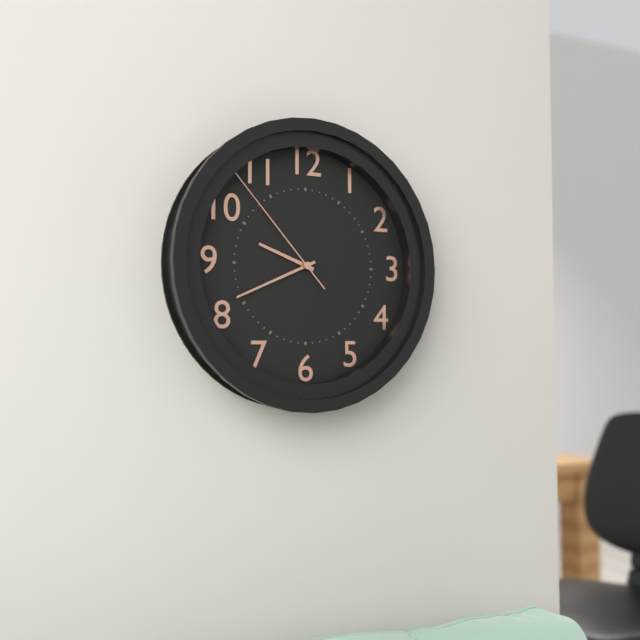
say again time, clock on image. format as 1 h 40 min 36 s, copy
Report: 9 h 41 min 53 s
